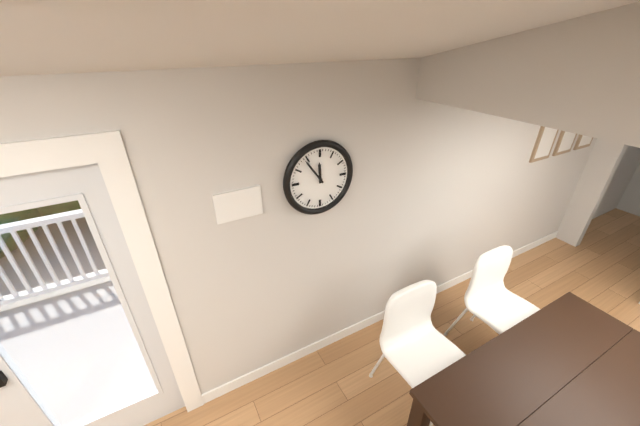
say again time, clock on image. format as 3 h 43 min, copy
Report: 11 h 54 min
